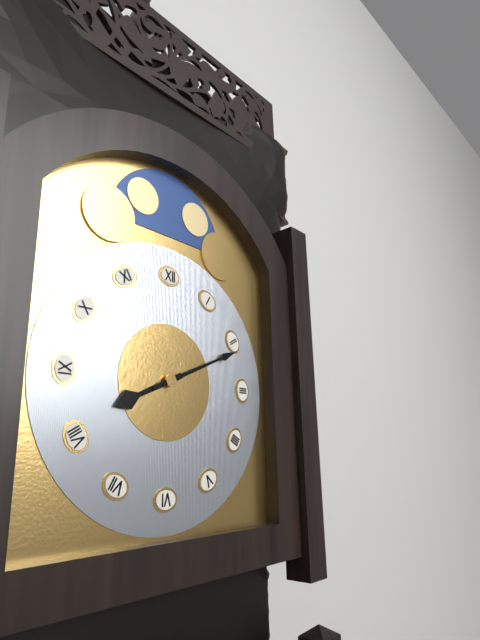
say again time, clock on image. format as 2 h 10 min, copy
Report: 8 h 11 min
